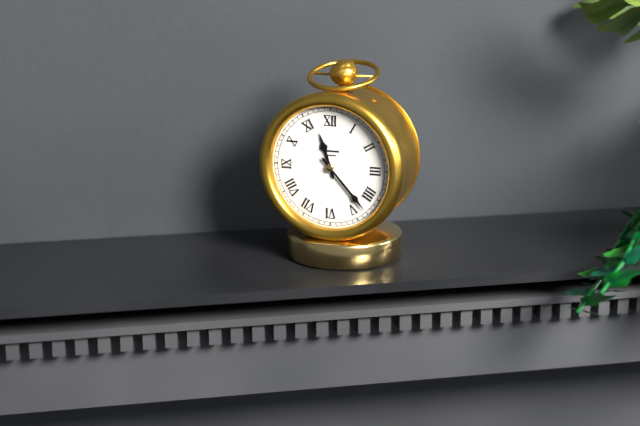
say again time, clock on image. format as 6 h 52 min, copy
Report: 11 h 23 min
